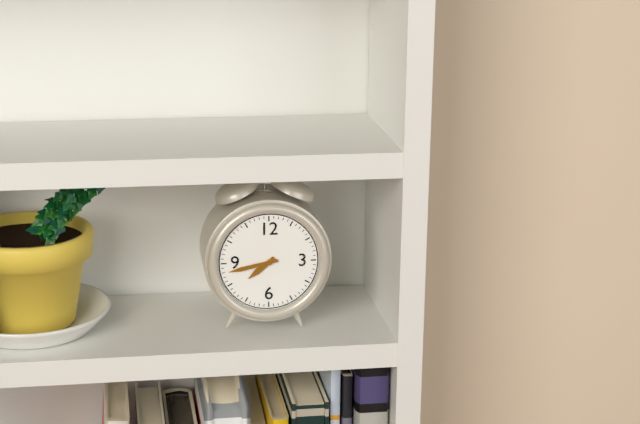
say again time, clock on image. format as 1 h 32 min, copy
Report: 7 h 43 min
